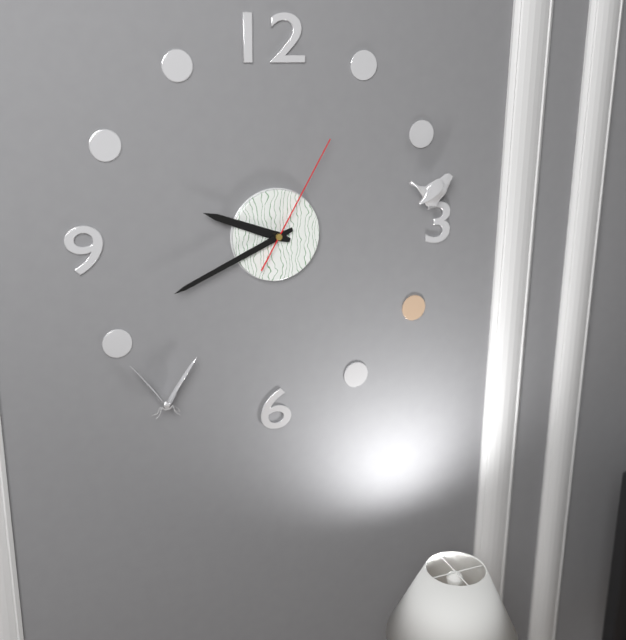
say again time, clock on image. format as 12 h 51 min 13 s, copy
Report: 9 h 41 min 05 s
